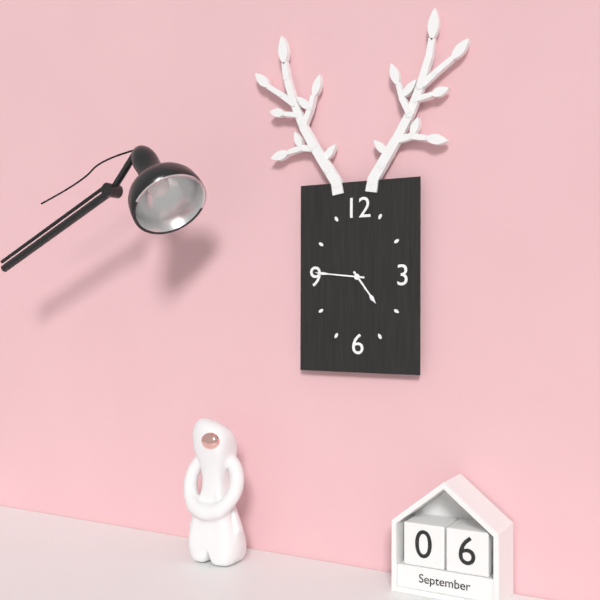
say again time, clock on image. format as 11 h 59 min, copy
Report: 4 h 46 min
